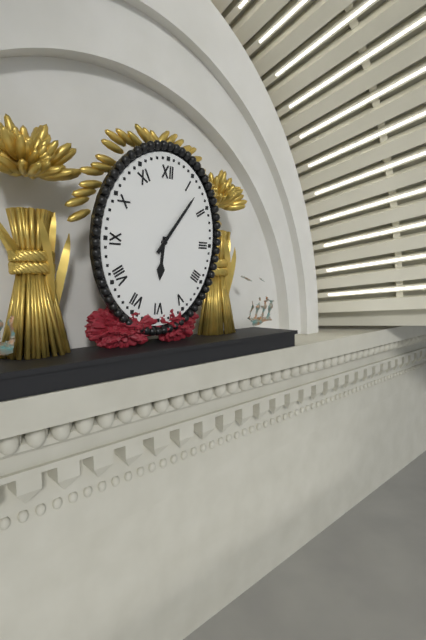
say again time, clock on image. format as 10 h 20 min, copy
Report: 6 h 06 min
